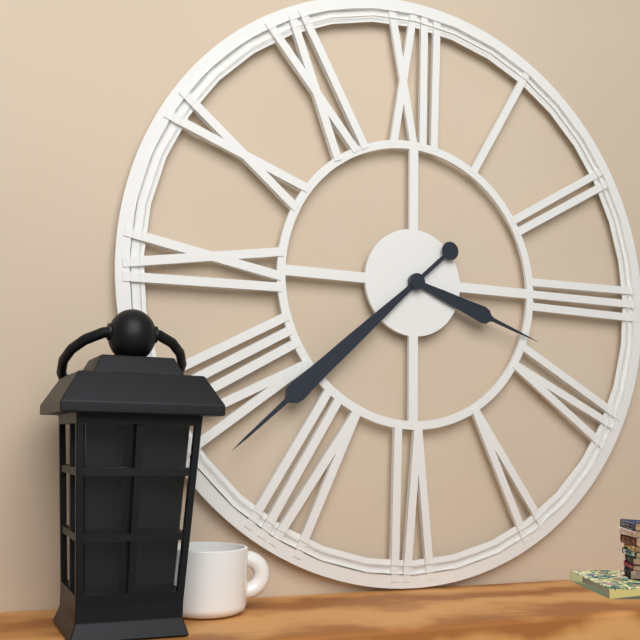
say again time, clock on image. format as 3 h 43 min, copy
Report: 3 h 38 min
